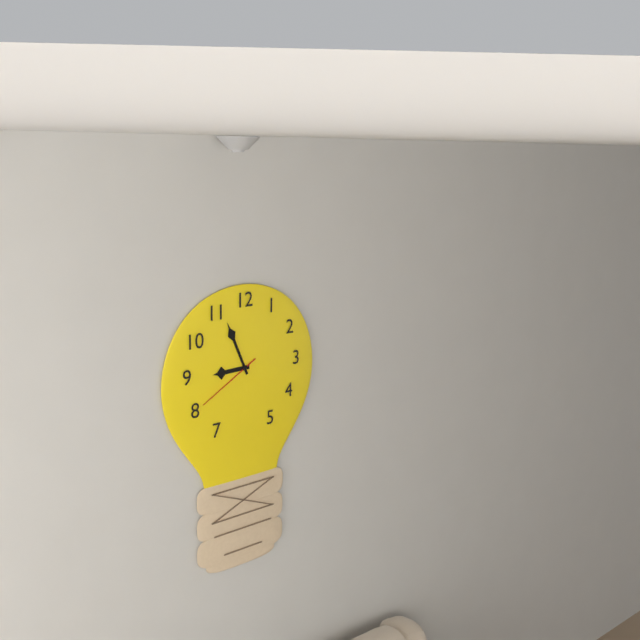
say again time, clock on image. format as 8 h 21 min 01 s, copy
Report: 8 h 56 min 40 s
